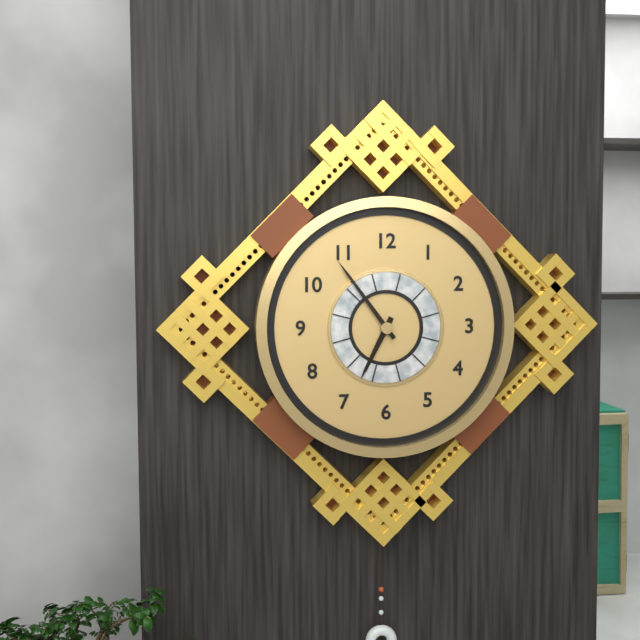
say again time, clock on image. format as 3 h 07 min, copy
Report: 6 h 54 min
